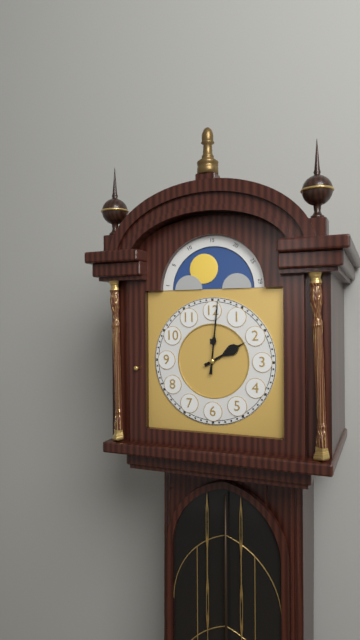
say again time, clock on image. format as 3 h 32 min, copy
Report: 2 h 01 min
